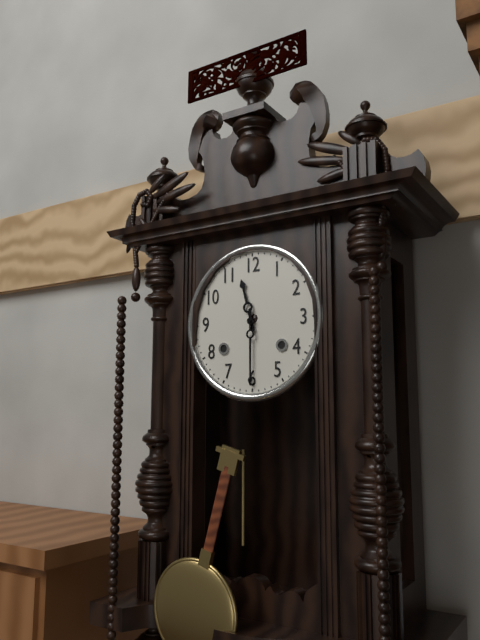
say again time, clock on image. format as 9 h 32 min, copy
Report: 11 h 30 min
